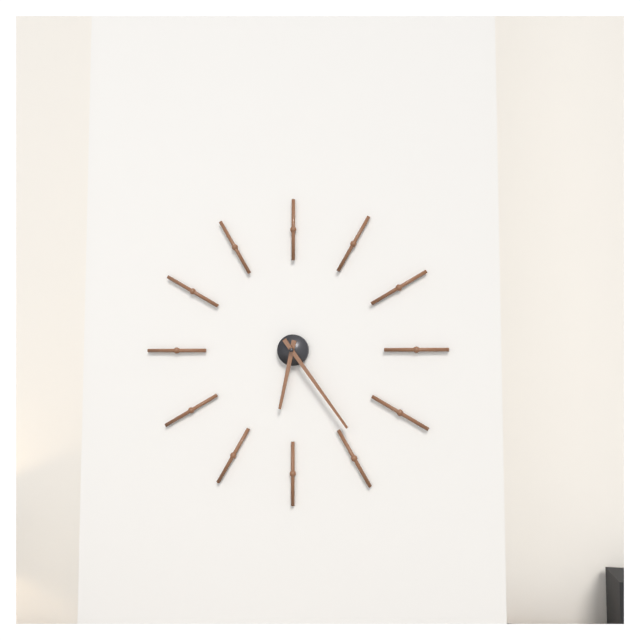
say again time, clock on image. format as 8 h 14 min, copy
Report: 6 h 24 min
